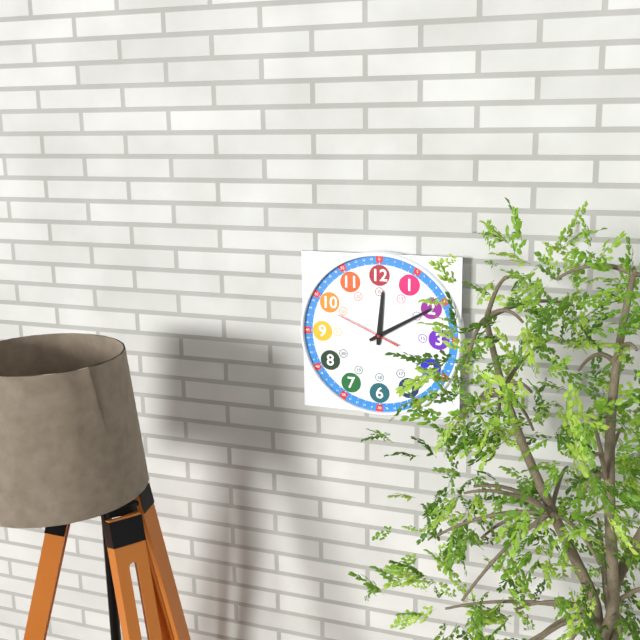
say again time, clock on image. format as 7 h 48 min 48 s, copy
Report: 12 h 10 min 49 s
